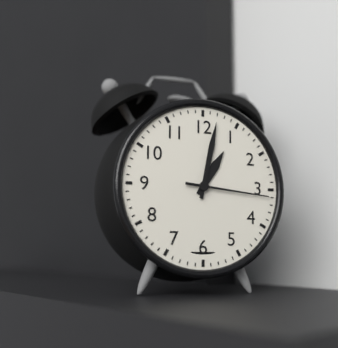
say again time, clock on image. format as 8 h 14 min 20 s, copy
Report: 1 h 02 min 16 s
